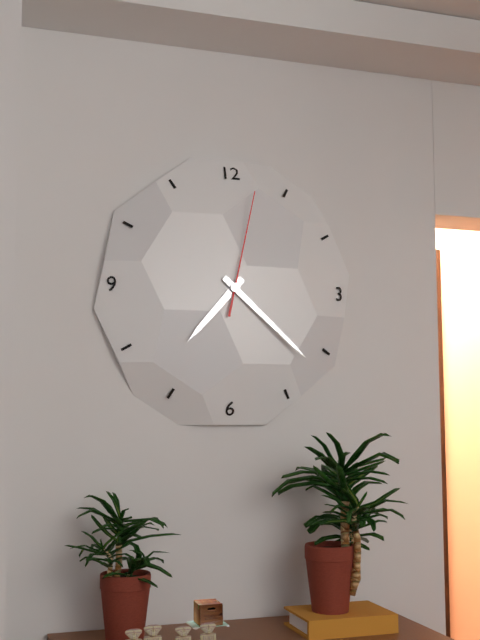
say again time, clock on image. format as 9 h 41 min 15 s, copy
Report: 7 h 22 min 02 s
